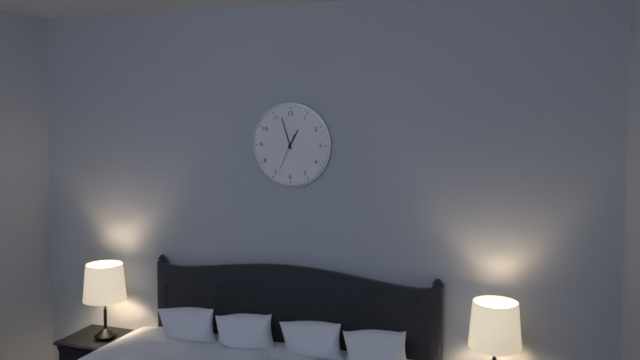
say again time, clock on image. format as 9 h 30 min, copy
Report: 12 h 57 min
